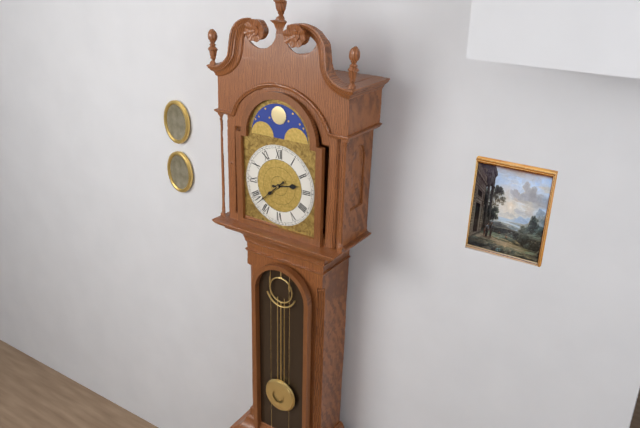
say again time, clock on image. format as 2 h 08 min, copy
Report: 2 h 38 min
